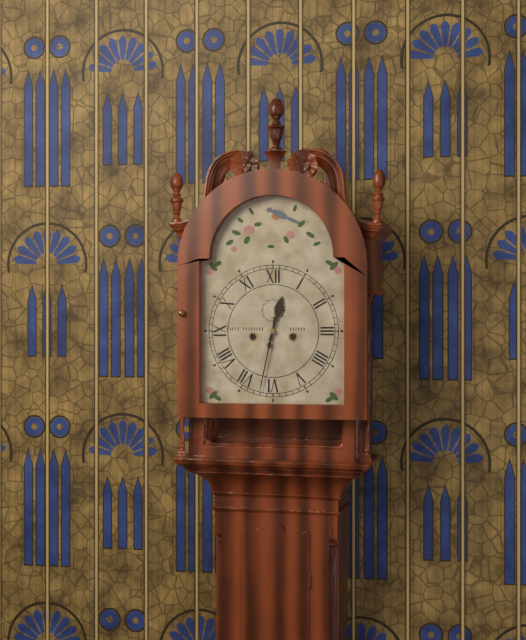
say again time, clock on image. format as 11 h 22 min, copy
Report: 12 h 32 min
